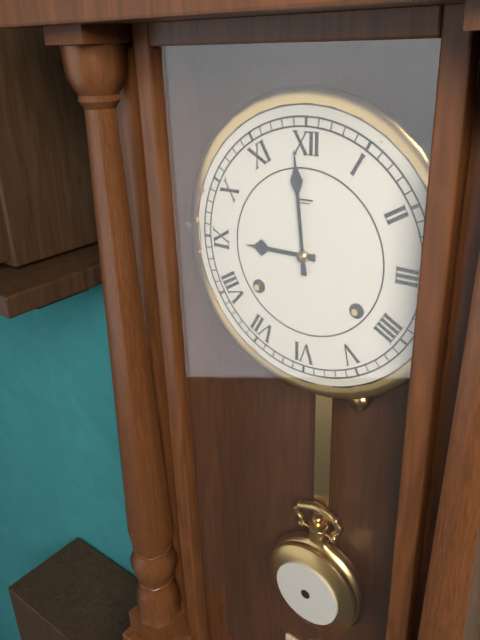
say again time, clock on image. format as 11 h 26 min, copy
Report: 8 h 59 min
